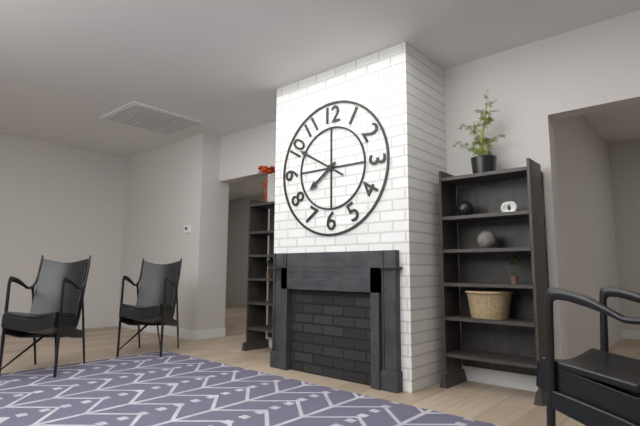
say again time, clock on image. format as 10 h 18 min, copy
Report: 7 h 50 min
